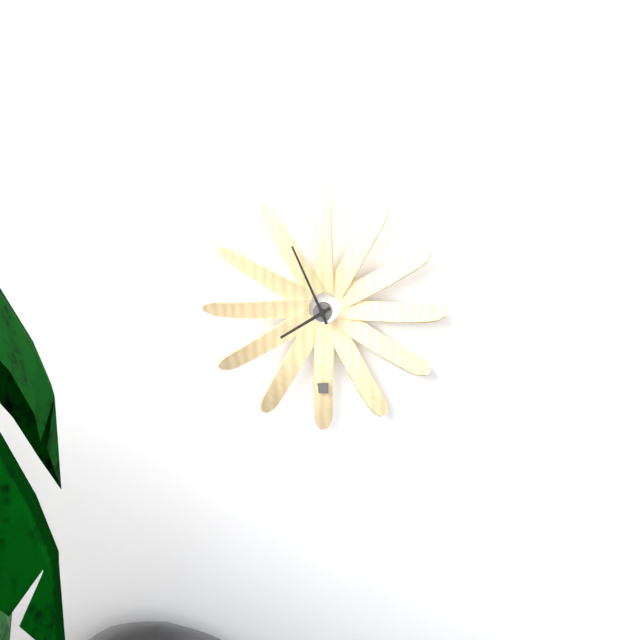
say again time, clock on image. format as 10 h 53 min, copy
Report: 7 h 56 min
